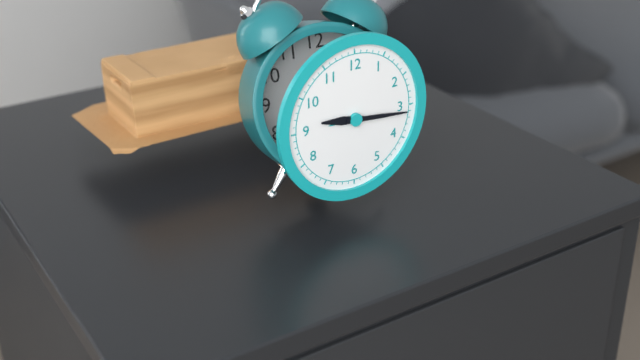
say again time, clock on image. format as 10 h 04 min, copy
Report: 9 h 16 min
